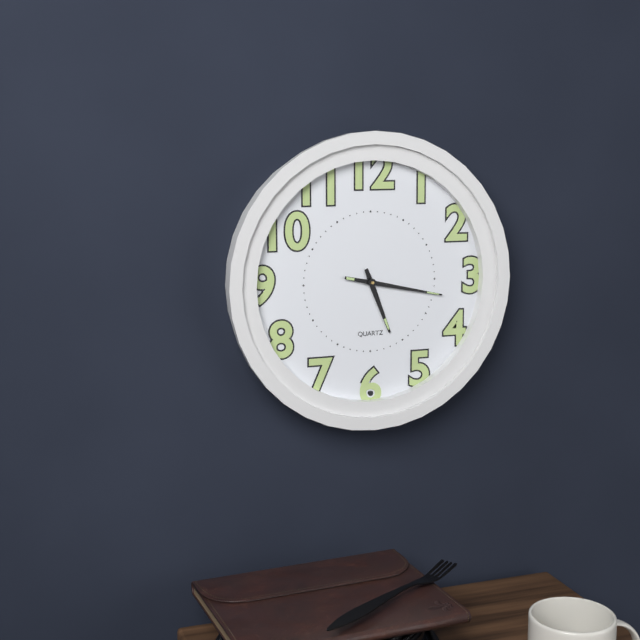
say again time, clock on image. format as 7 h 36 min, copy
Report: 5 h 17 min
